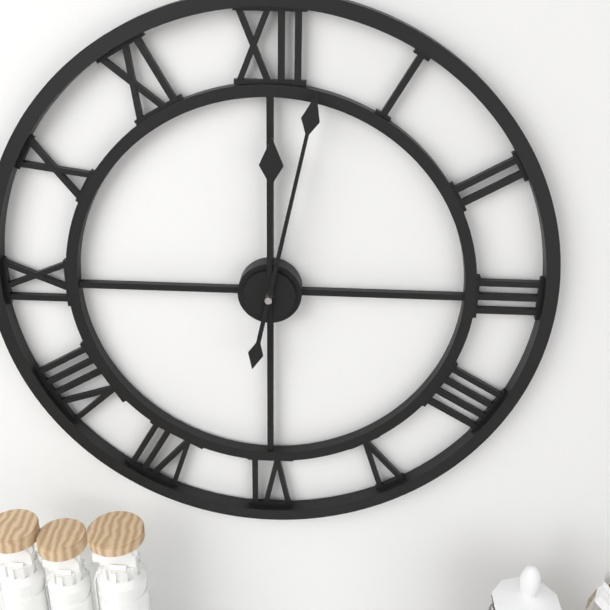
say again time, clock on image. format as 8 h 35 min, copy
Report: 12 h 02 min
